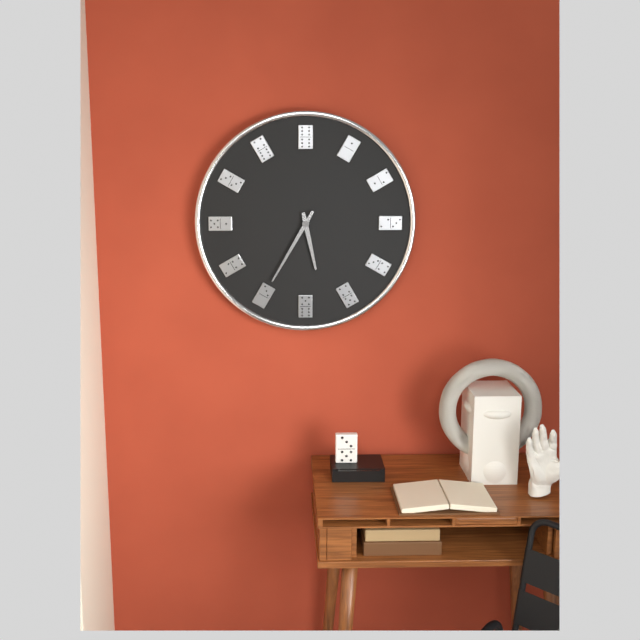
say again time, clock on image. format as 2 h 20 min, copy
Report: 5 h 35 min
